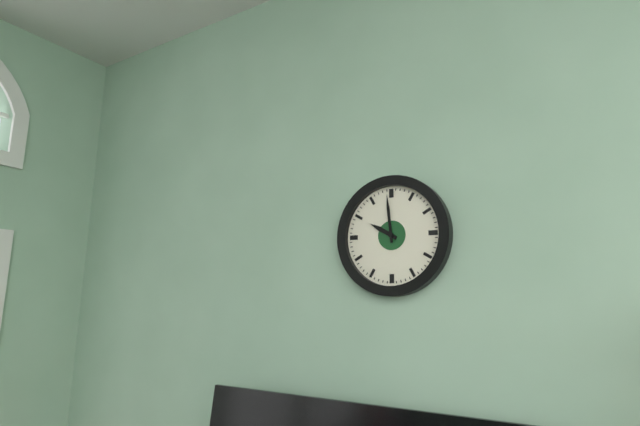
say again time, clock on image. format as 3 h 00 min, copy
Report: 9 h 59 min
